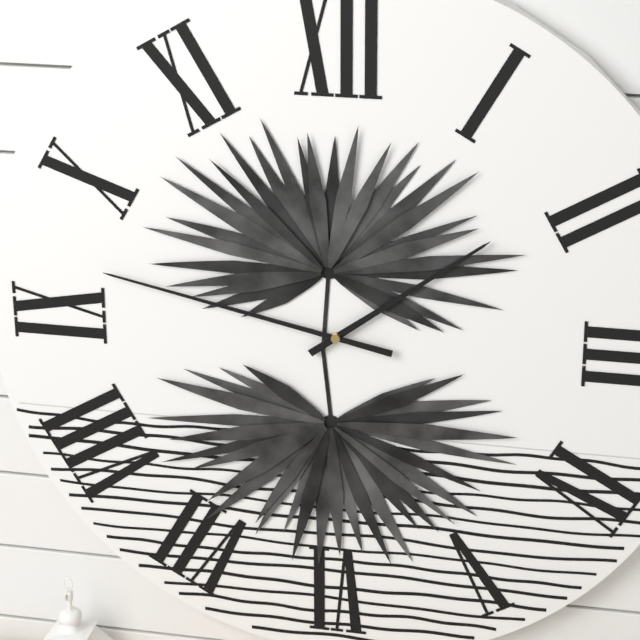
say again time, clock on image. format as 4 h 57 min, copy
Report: 1 h 47 min
